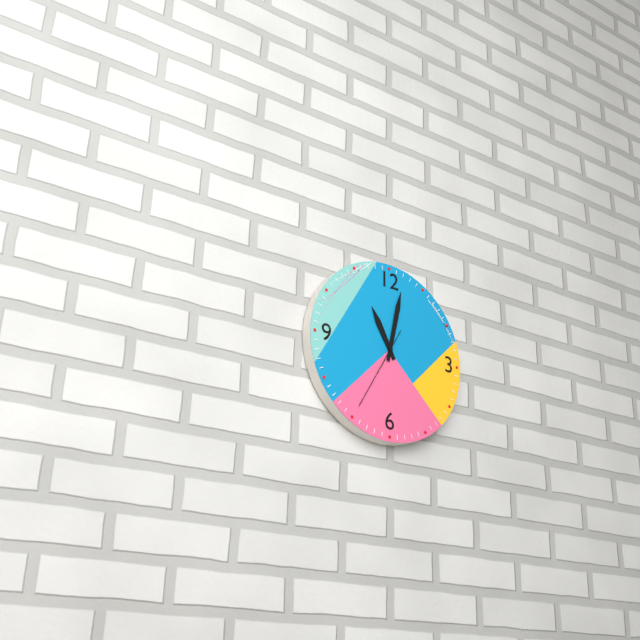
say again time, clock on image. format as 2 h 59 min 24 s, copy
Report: 11 h 02 min 35 s
